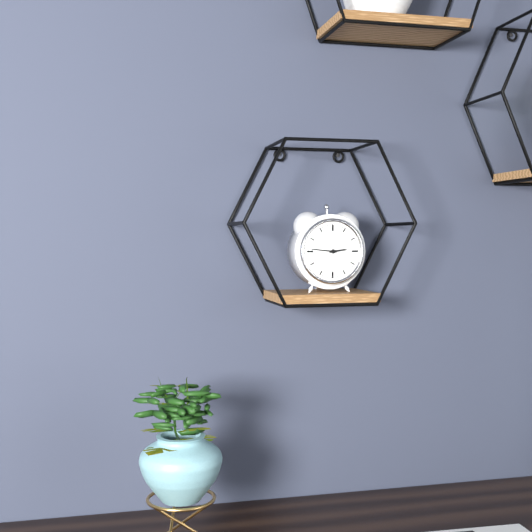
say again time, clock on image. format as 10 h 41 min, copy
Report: 2 h 46 min
